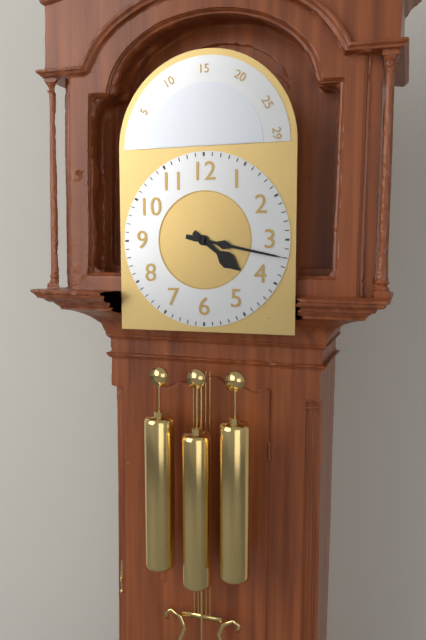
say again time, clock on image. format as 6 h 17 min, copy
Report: 4 h 17 min
